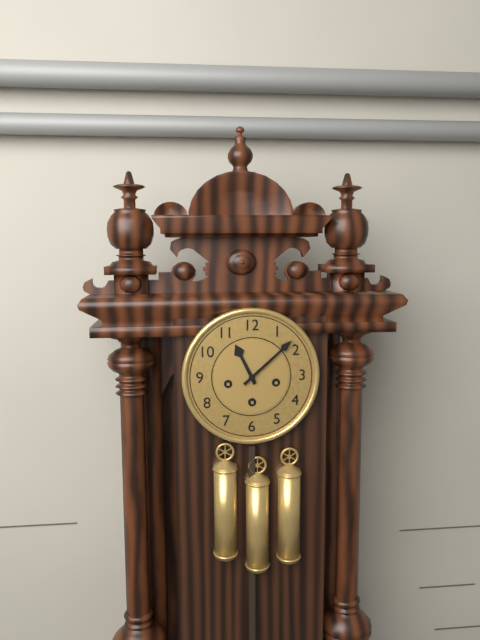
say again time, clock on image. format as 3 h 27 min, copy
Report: 11 h 08 min
